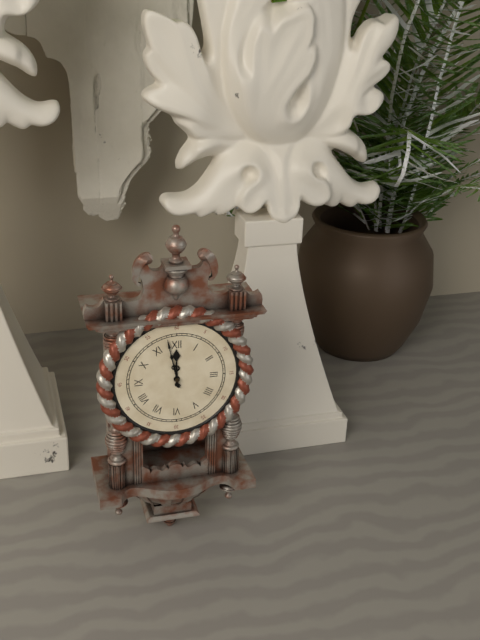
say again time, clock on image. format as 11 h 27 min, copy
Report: 11 h 58 min
